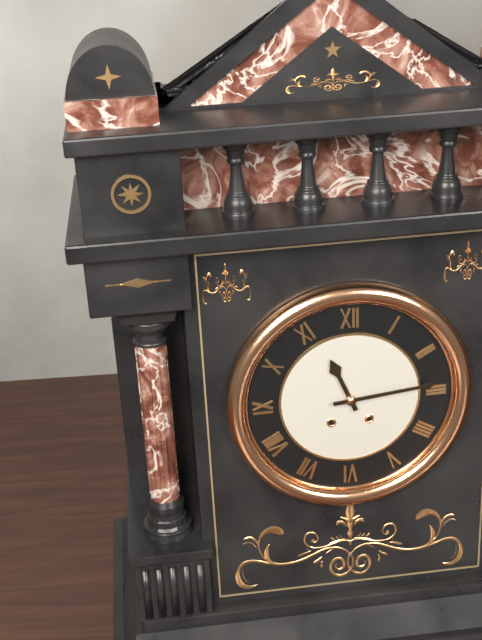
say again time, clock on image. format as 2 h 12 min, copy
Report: 11 h 14 min
